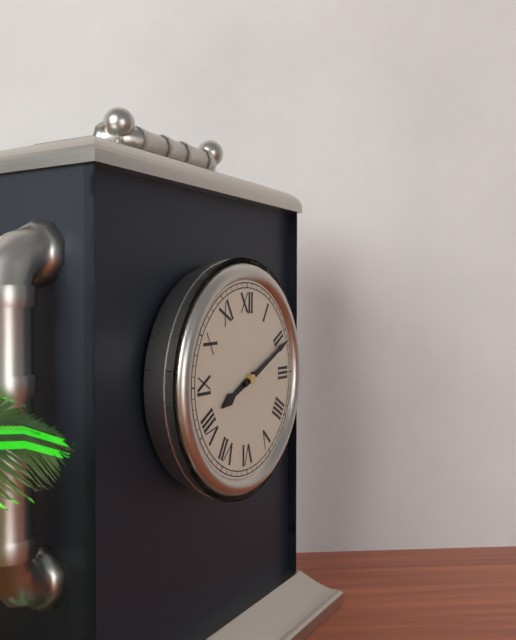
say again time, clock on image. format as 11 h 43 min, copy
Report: 8 h 11 min
